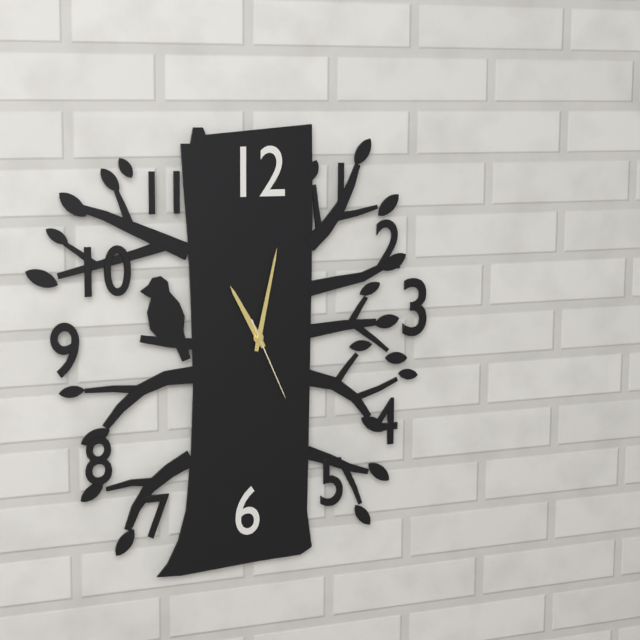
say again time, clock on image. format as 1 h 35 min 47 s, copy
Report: 11 h 02 min 26 s
